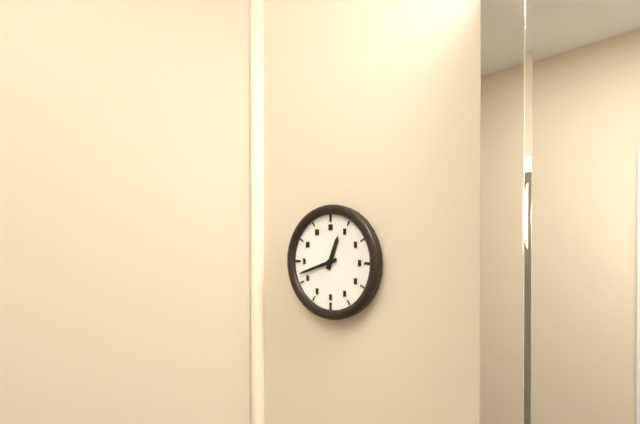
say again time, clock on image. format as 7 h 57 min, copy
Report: 12 h 42 min
